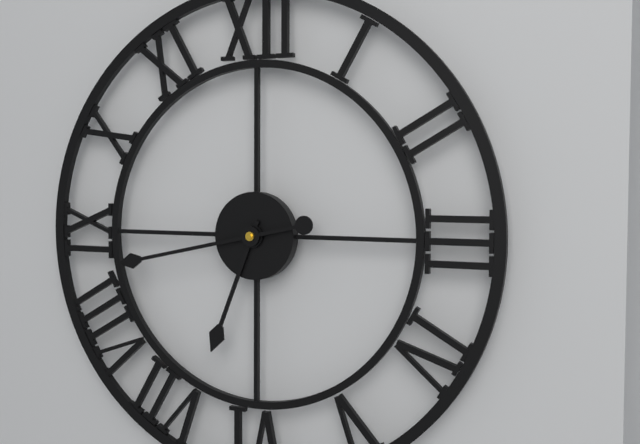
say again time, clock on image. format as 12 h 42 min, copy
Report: 6 h 43 min
